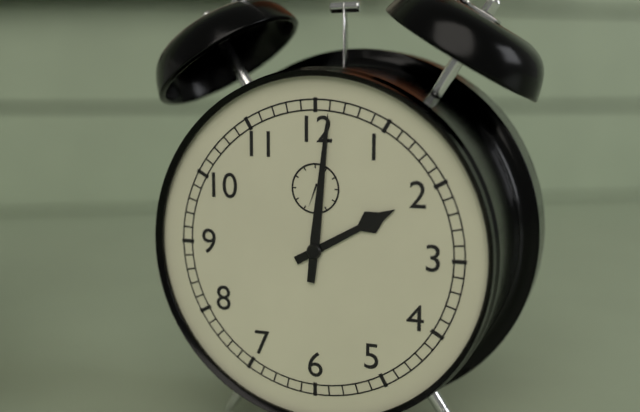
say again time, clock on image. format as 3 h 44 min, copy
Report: 2 h 01 min
